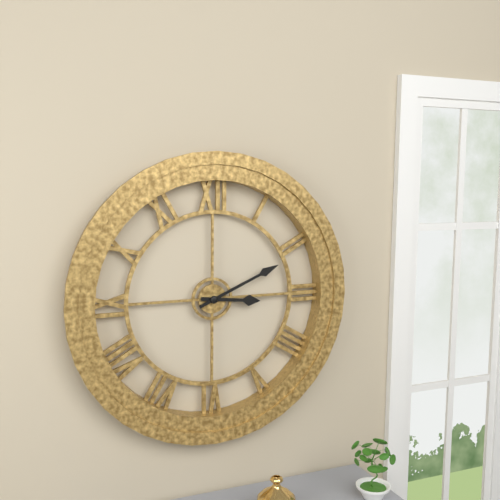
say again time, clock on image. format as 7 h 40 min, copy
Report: 3 h 11 min
